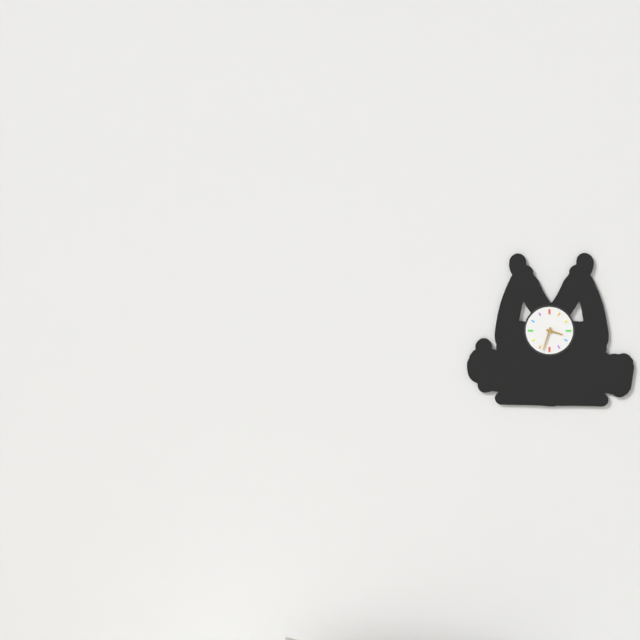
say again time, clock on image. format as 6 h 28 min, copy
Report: 3 h 33 min
